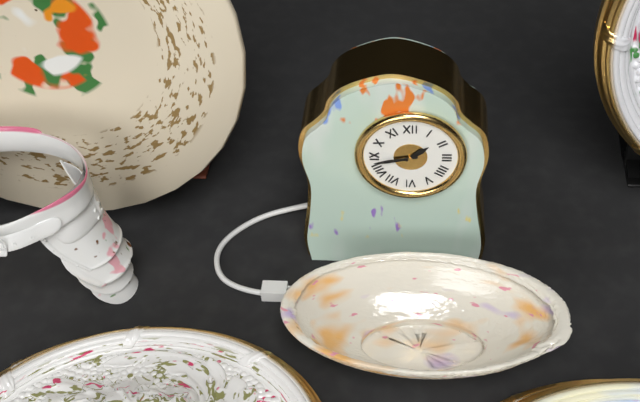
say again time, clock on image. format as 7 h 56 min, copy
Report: 1 h 43 min
